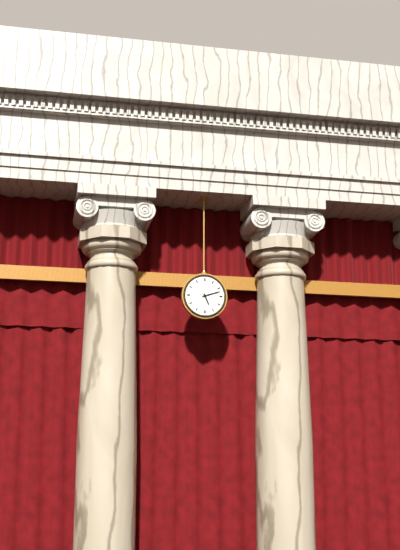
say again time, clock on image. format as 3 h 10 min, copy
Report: 5 h 12 min
